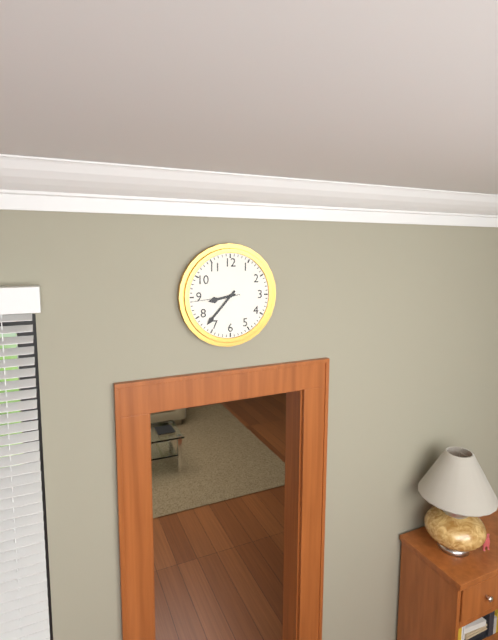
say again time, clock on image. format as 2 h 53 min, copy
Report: 8 h 37 min
